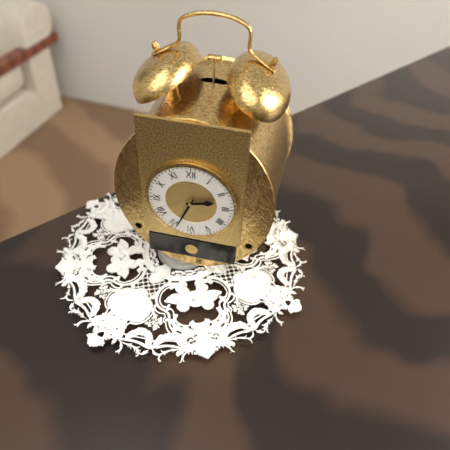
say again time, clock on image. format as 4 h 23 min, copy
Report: 2 h 34 min
